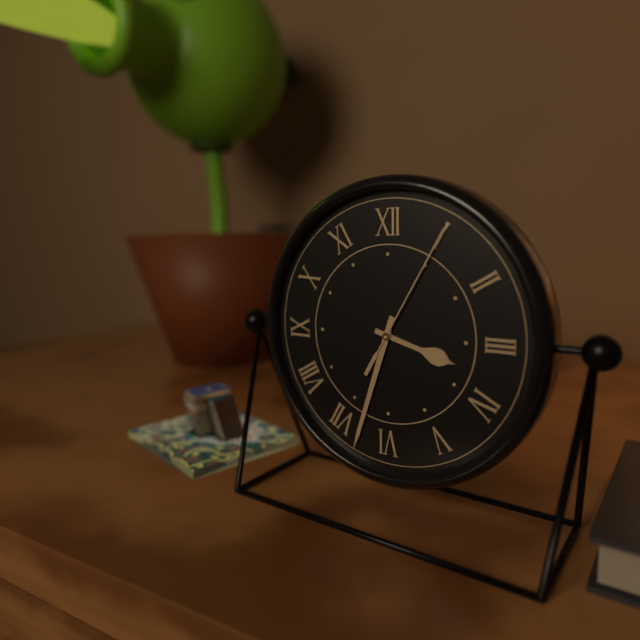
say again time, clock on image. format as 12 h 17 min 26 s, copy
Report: 3 h 33 min 05 s
